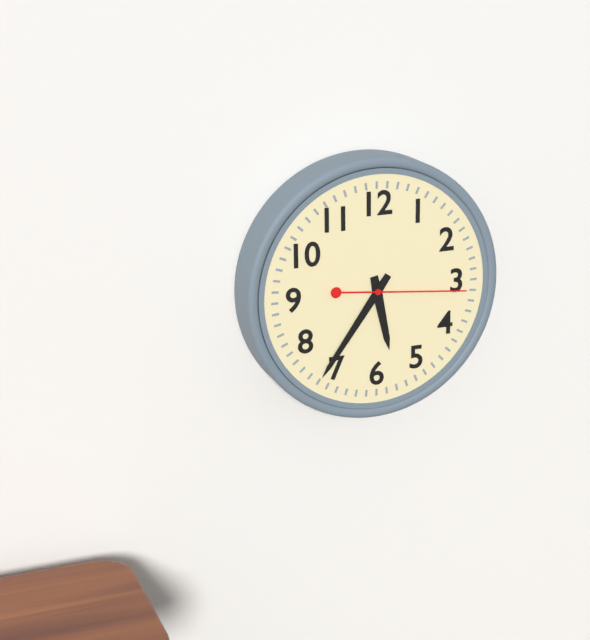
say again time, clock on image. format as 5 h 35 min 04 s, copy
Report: 5 h 36 min 16 s
